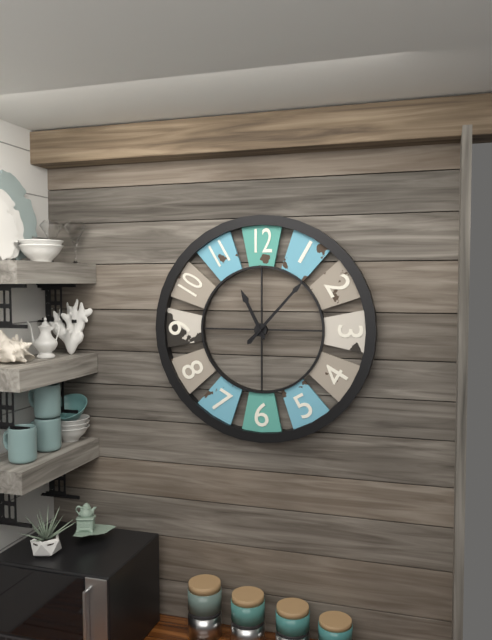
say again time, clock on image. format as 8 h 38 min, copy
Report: 11 h 07 min
